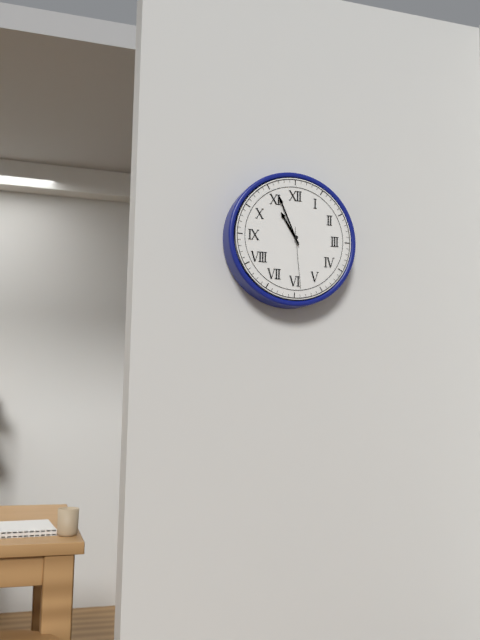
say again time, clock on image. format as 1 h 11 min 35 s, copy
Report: 10 h 56 min 29 s
